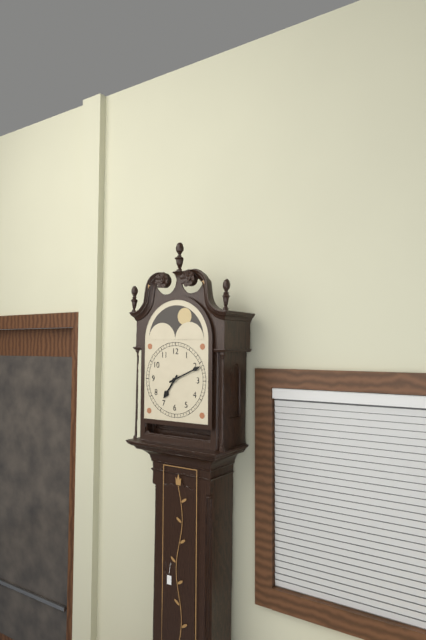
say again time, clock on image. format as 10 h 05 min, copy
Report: 7 h 11 min
